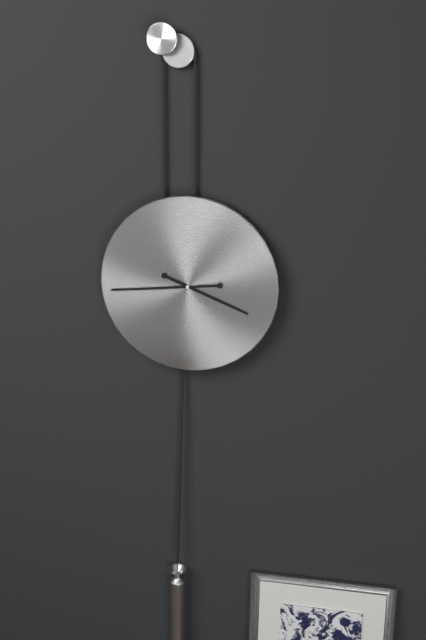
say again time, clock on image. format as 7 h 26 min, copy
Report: 3 h 44 min
